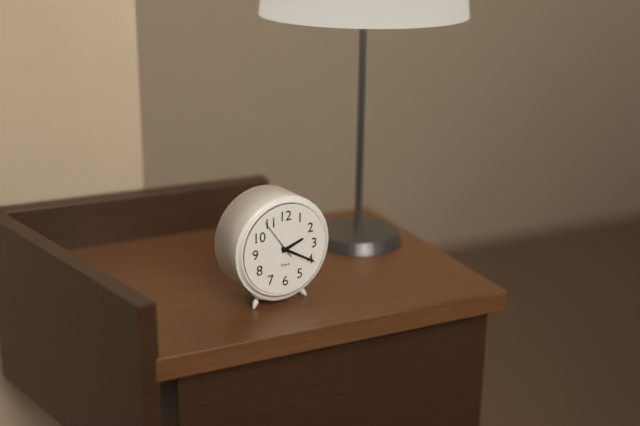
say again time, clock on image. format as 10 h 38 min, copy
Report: 2 h 20 min
